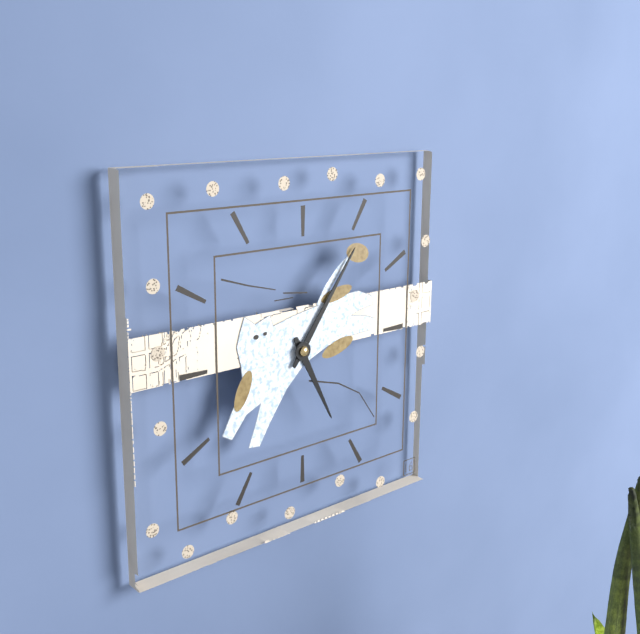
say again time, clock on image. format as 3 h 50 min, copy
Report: 5 h 06 min
